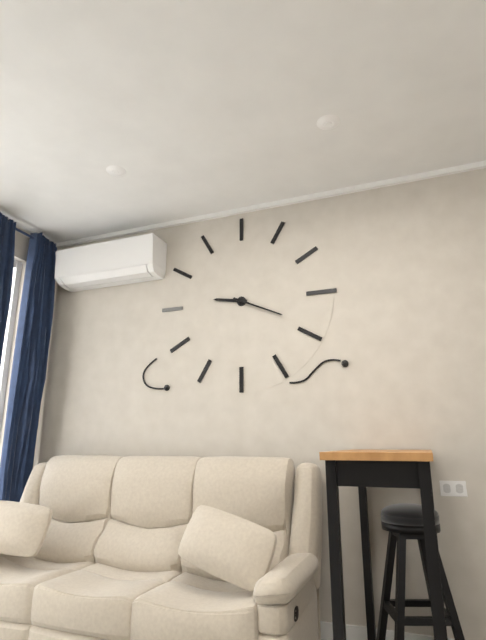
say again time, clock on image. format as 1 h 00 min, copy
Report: 9 h 19 min
